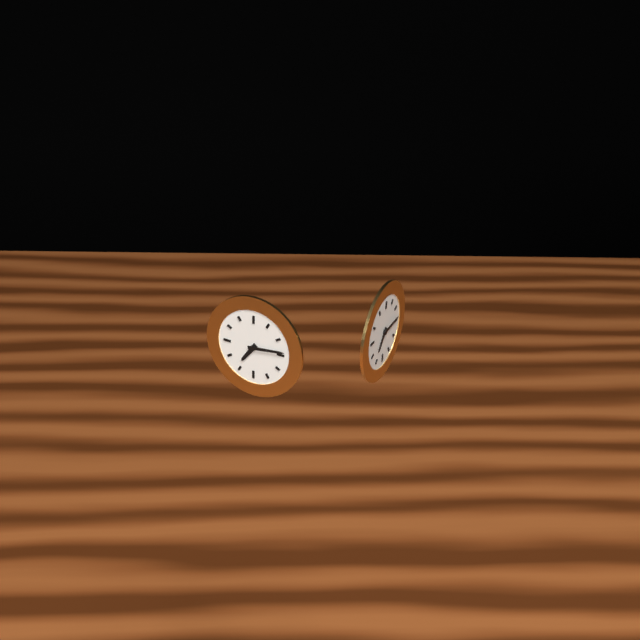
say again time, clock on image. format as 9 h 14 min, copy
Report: 7 h 14 min
